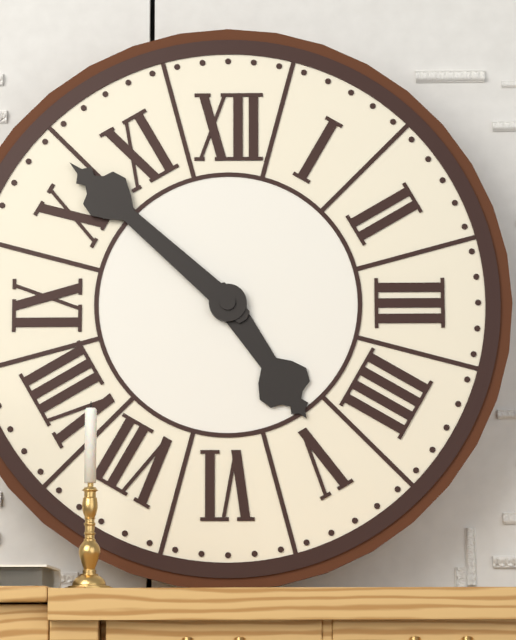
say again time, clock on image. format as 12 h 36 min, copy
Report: 4 h 52 min
